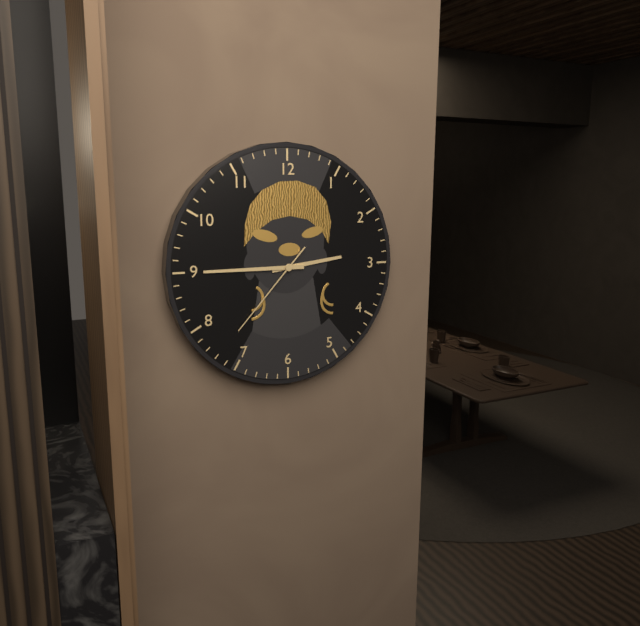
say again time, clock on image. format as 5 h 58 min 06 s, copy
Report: 2 h 45 min 37 s
